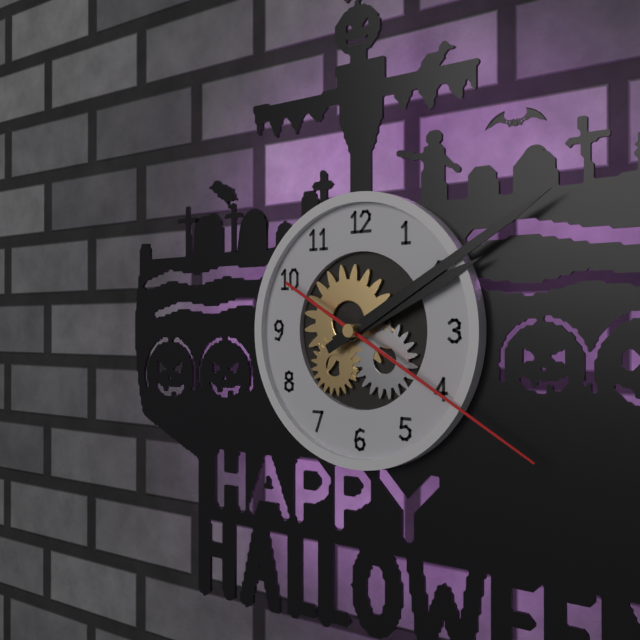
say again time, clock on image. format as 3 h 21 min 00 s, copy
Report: 2 h 10 min 20 s
